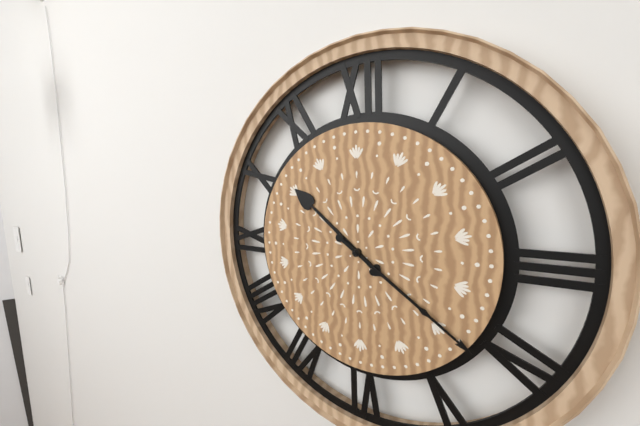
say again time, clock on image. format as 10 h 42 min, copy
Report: 10 h 21 min
